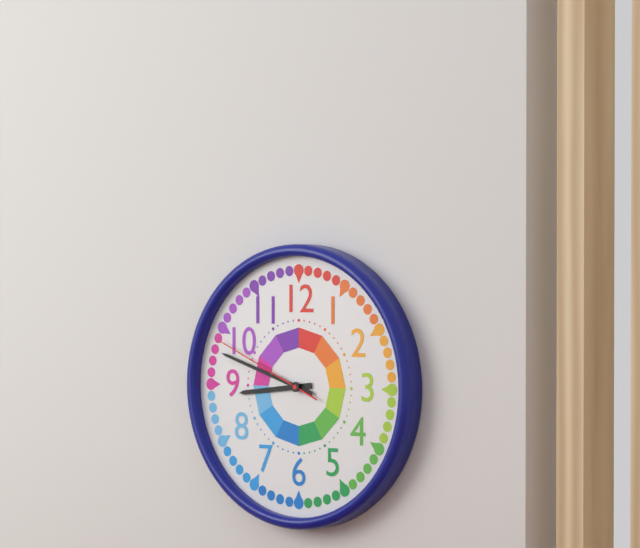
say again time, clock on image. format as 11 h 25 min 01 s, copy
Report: 8 h 48 min 49 s
